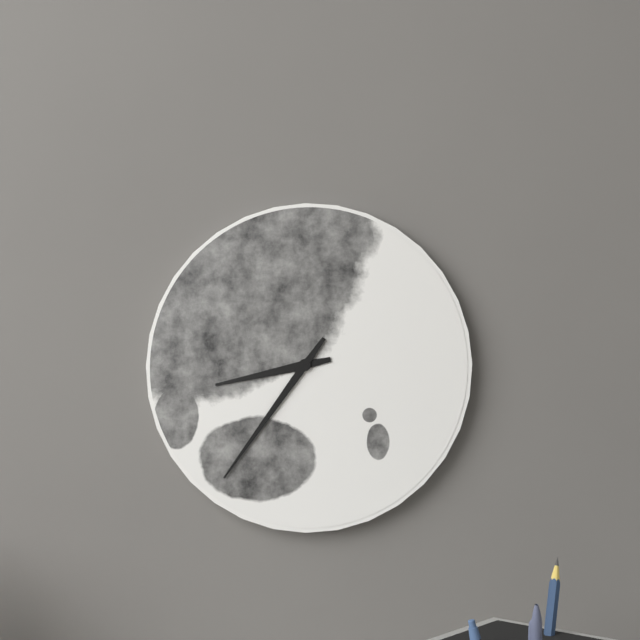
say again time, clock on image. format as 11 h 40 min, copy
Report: 8 h 36 min
